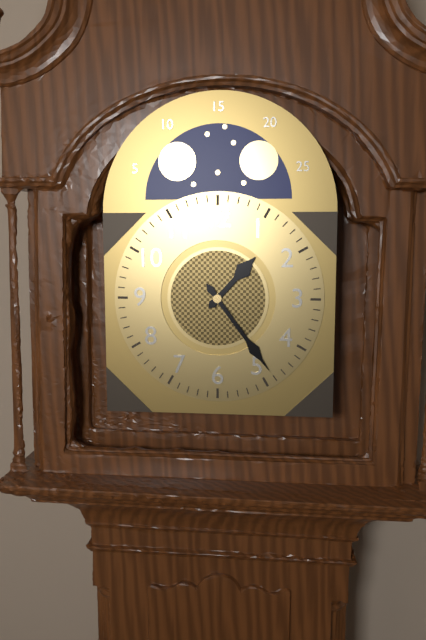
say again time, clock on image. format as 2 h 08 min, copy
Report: 1 h 24 min
